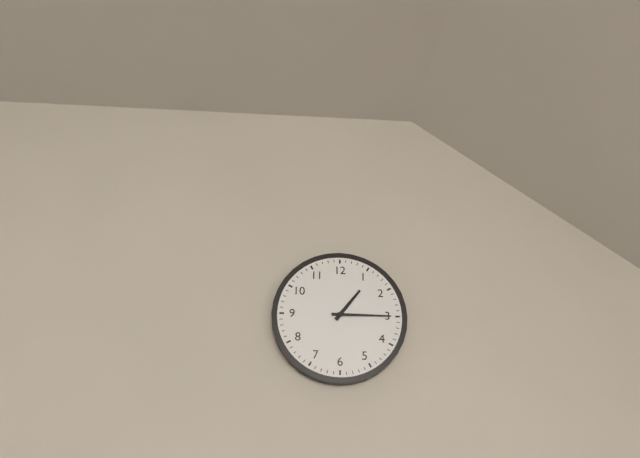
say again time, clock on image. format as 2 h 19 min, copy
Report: 1 h 15 min
